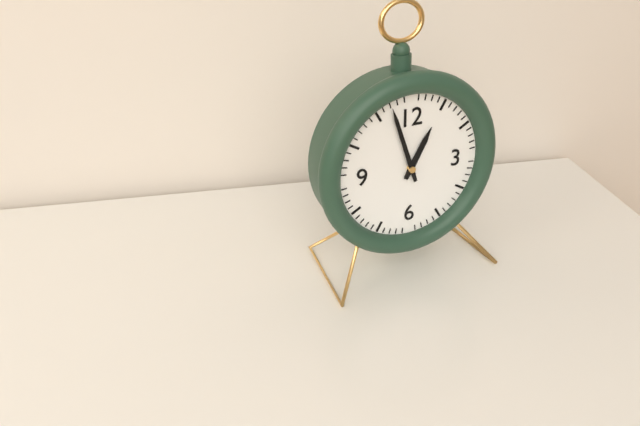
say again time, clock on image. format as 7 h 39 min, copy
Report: 12 h 57 min
